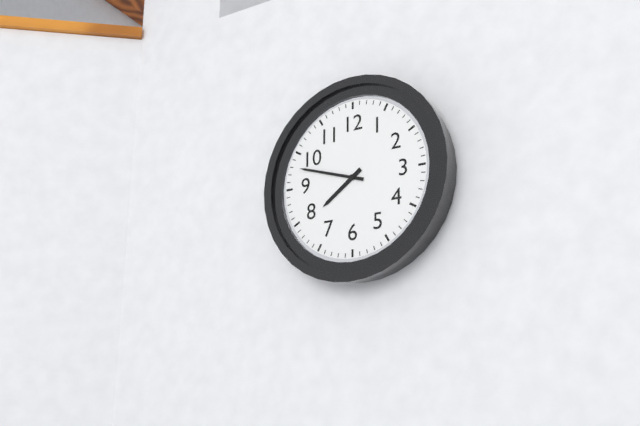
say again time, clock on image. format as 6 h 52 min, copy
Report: 7 h 48 min
